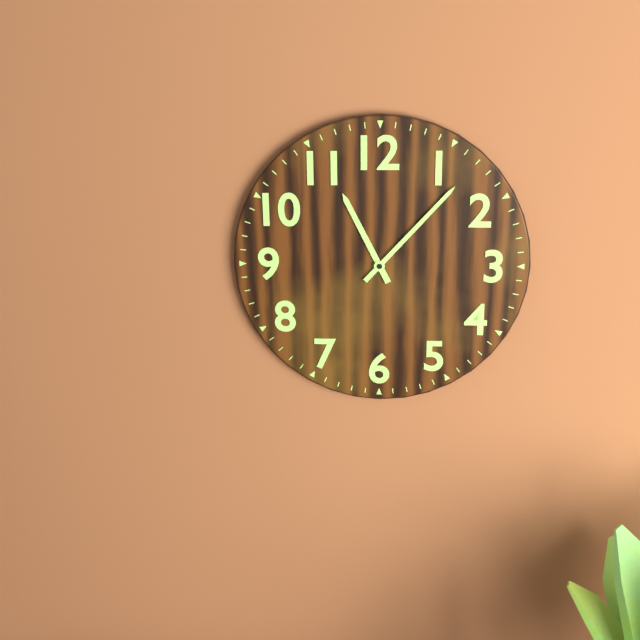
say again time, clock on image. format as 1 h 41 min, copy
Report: 11 h 07 min
